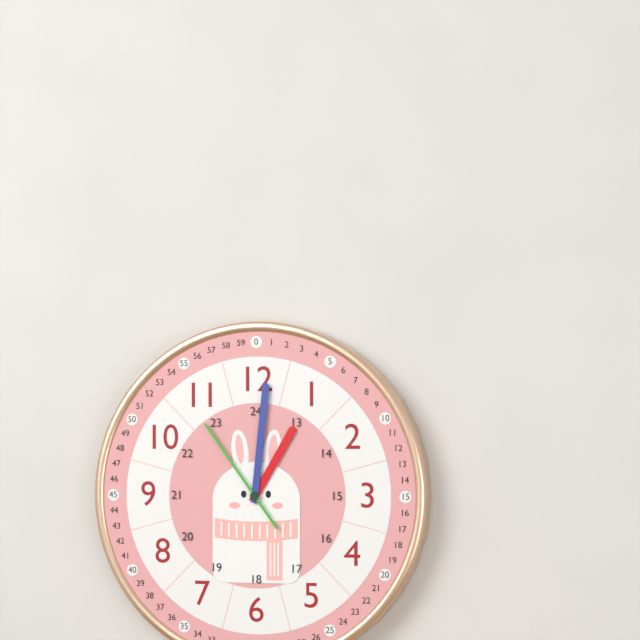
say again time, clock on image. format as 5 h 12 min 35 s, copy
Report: 1 h 01 min 54 s
